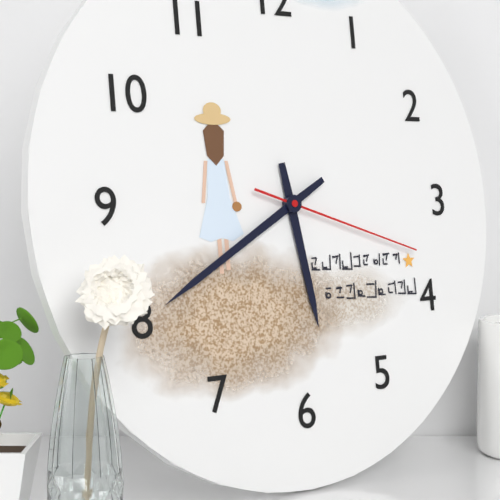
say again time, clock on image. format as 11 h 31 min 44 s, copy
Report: 5 h 40 min 18 s
